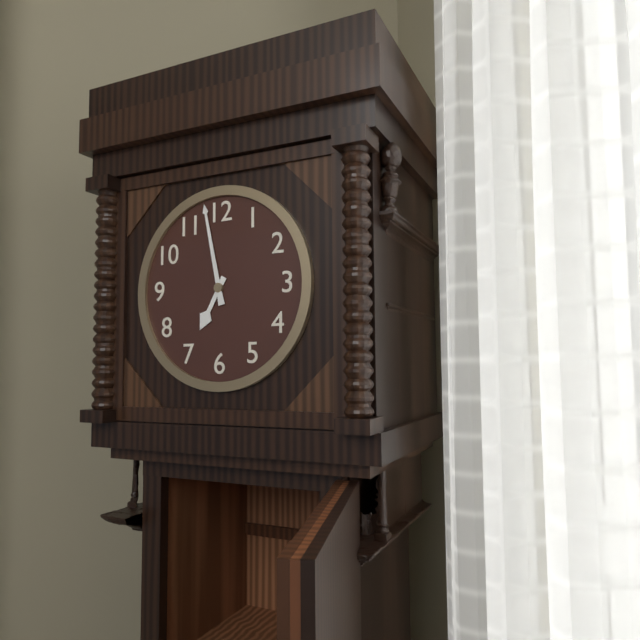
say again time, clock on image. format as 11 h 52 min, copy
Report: 6 h 58 min
